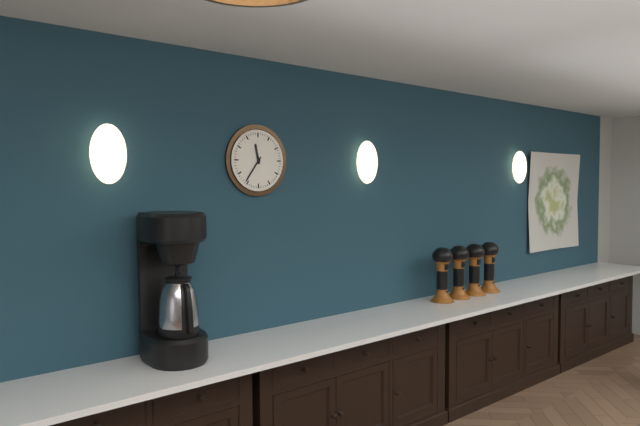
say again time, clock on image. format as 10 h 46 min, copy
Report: 11 h 36 min
